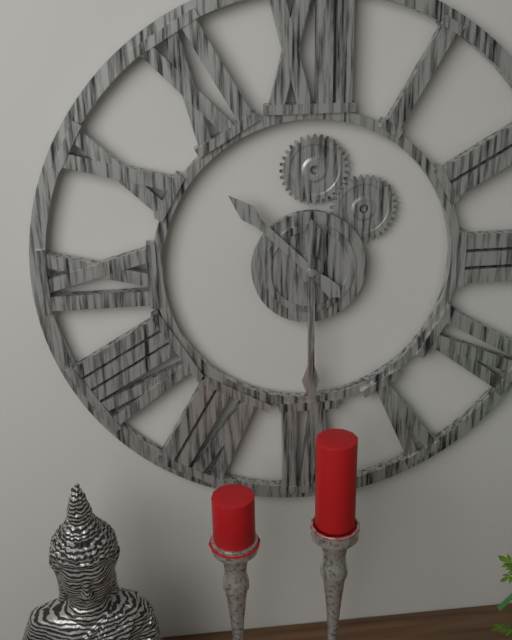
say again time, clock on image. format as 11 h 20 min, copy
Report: 10 h 30 min
